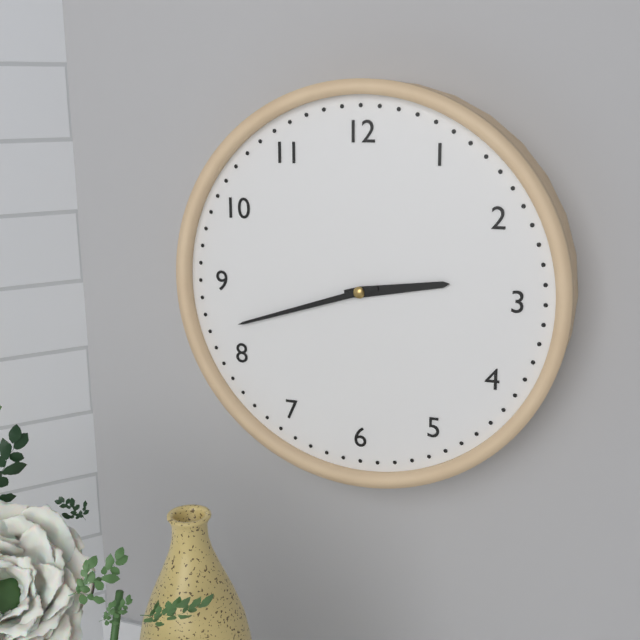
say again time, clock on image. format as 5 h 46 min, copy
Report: 2 h 42 min
